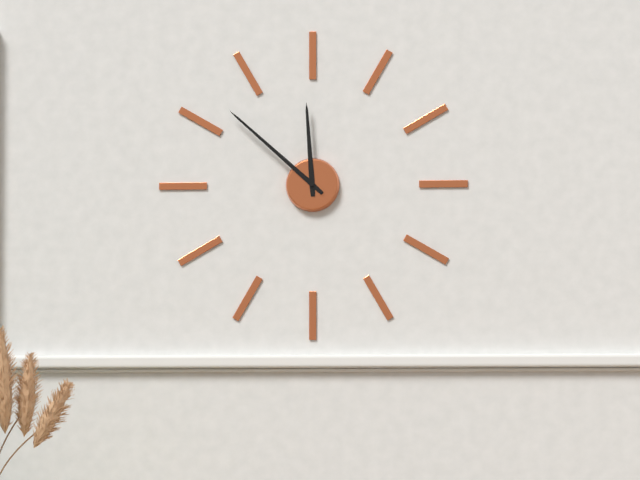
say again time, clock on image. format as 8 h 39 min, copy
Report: 11 h 52 min
